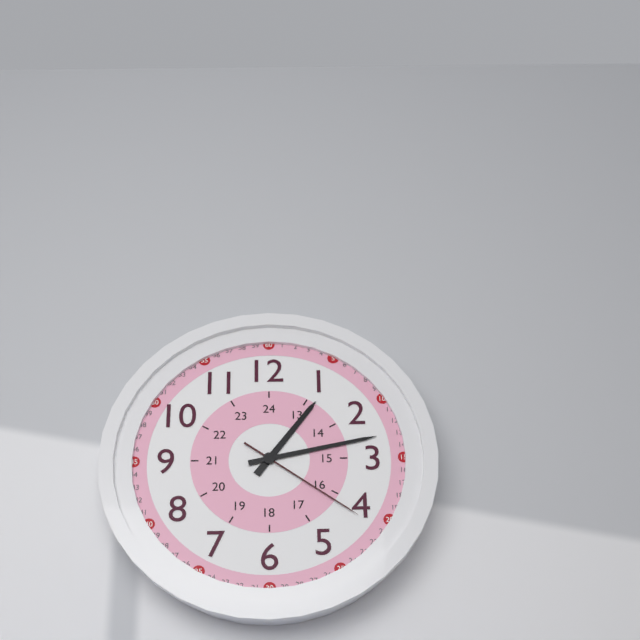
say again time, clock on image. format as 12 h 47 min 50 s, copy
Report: 1 h 13 min 21 s
